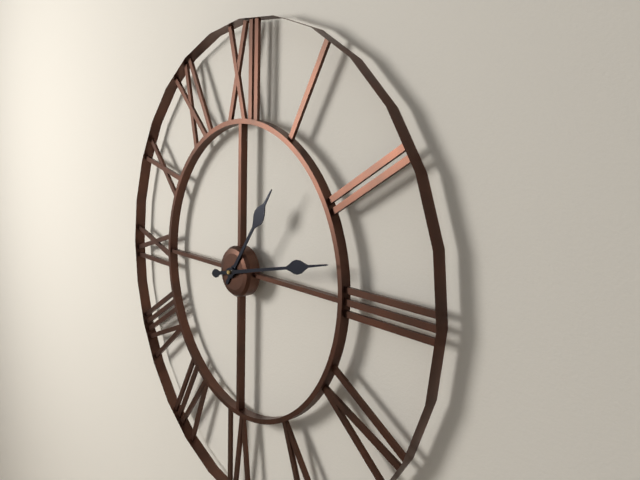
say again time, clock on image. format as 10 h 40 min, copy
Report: 1 h 13 min
